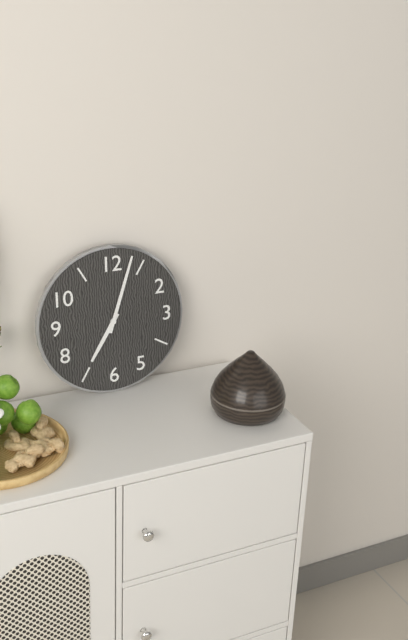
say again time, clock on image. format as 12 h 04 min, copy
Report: 7 h 03 min
